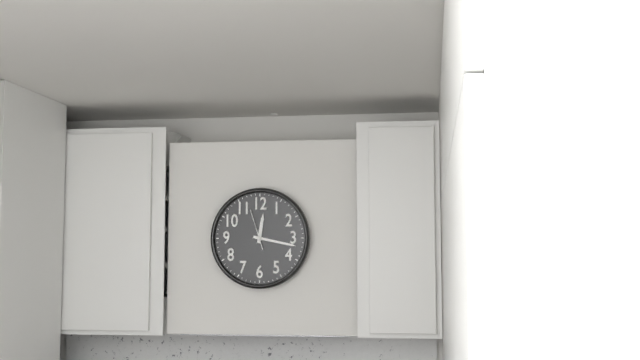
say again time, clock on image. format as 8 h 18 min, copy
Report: 12 h 17 min
